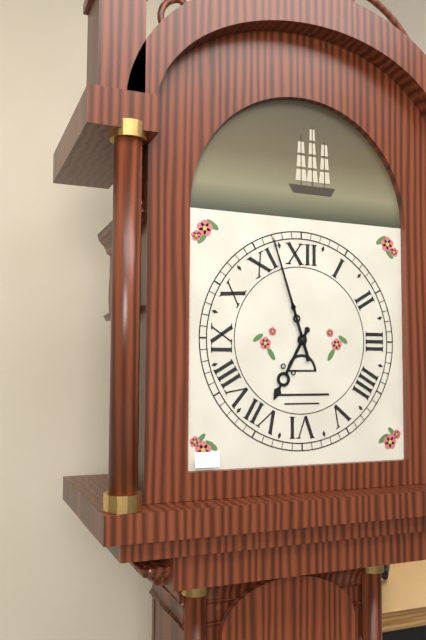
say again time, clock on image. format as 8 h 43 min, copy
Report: 6 h 57 min
